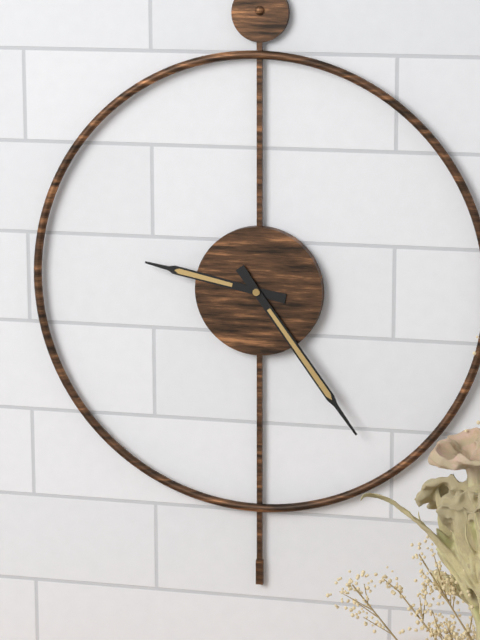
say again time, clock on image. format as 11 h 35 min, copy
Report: 9 h 24 min
